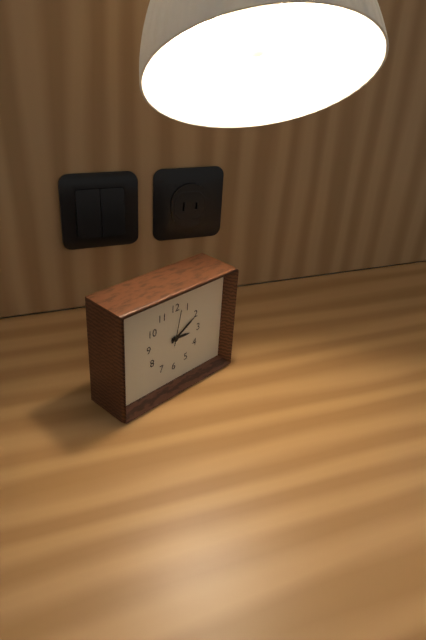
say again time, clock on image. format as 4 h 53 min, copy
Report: 3 h 10 min
